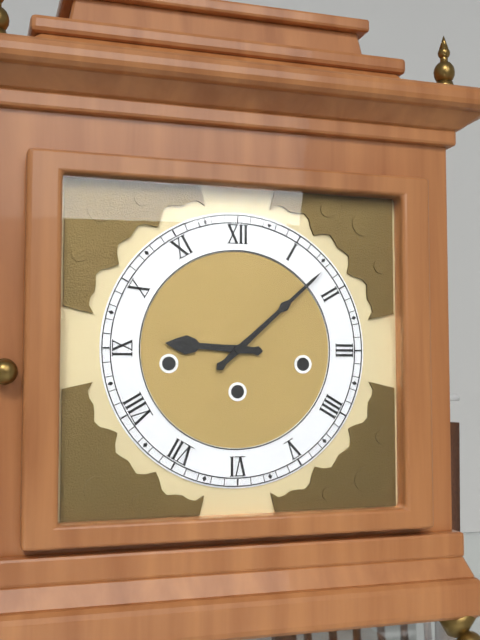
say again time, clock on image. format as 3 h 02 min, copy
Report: 9 h 08 min
